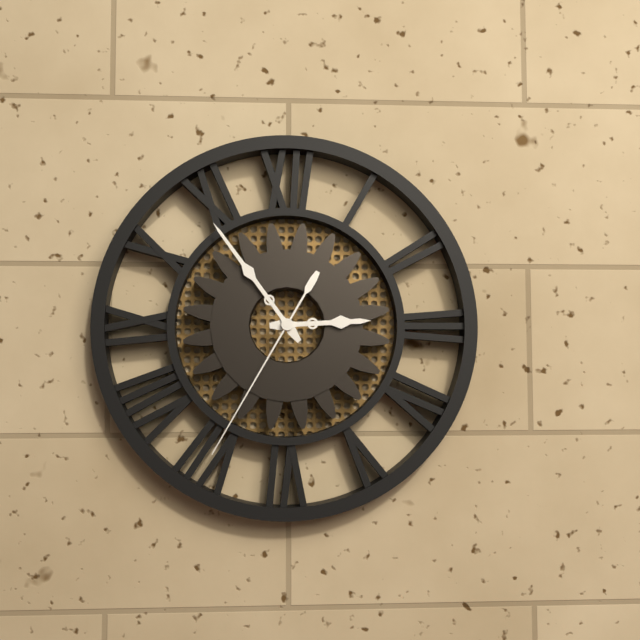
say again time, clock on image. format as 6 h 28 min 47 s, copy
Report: 2 h 54 min 35 s
